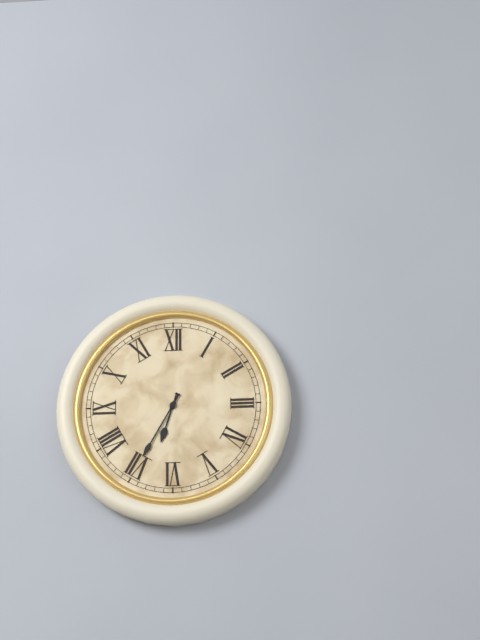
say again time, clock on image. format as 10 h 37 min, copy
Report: 6 h 35 min
